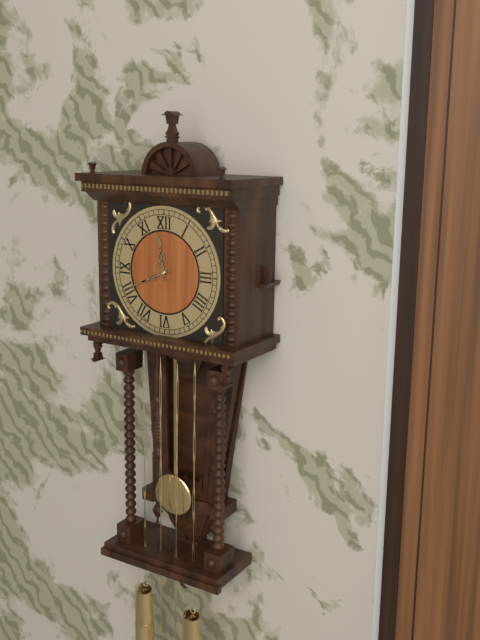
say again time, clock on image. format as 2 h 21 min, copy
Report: 11 h 41 min
